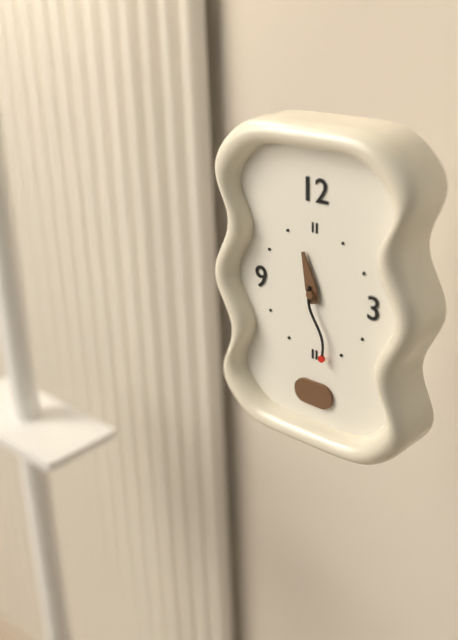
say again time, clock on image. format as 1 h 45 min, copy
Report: 11 h 28 min
